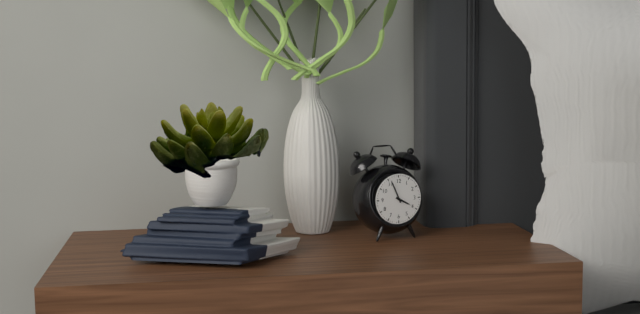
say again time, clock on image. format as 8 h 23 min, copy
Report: 3 h 56 min
